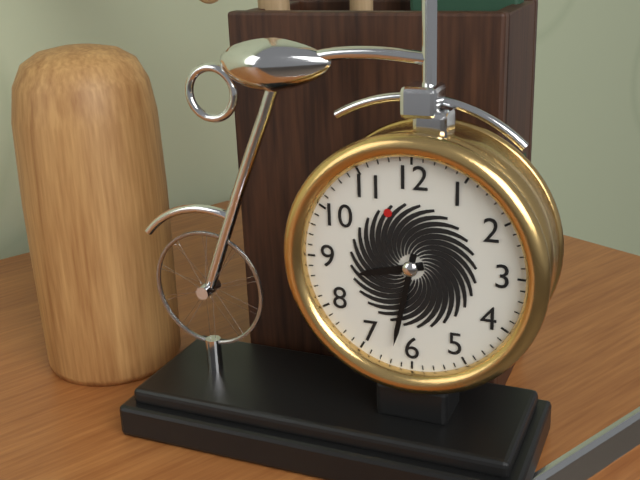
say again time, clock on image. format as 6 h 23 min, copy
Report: 8 h 32 min
